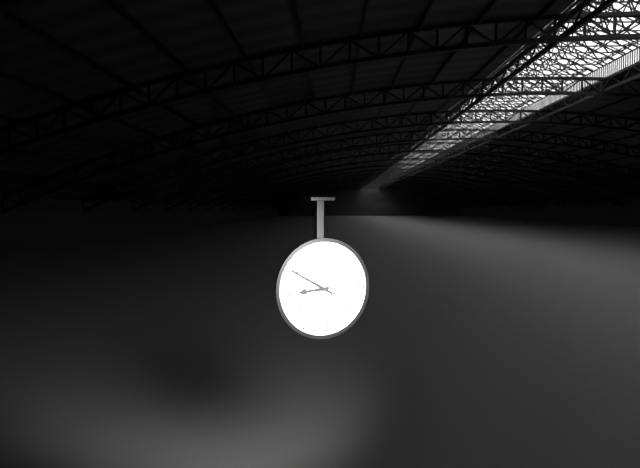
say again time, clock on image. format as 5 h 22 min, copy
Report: 8 h 50 min
